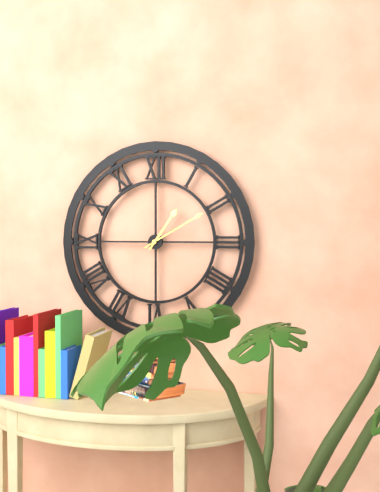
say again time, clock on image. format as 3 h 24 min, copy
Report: 1 h 10 min
